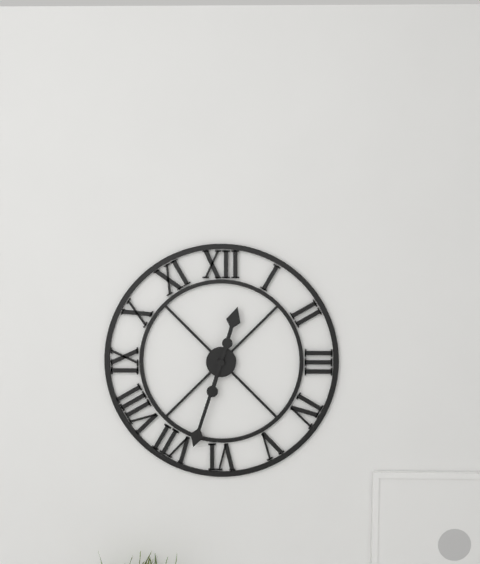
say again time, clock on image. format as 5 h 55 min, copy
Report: 12 h 33 min
